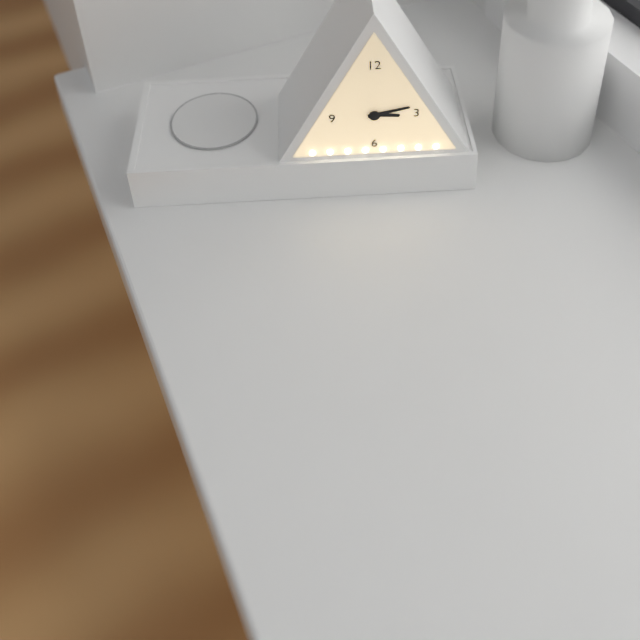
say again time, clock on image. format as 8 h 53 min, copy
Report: 3 h 13 min
